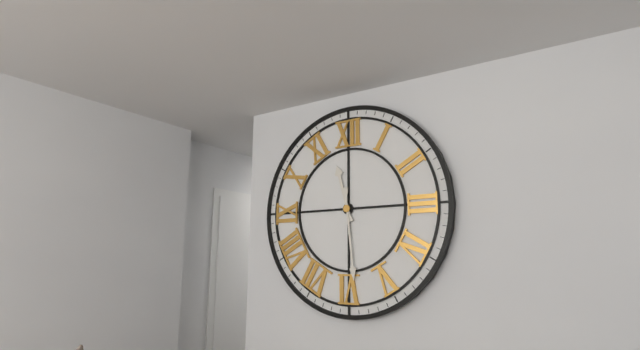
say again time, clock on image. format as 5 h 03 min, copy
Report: 11 h 29 min
